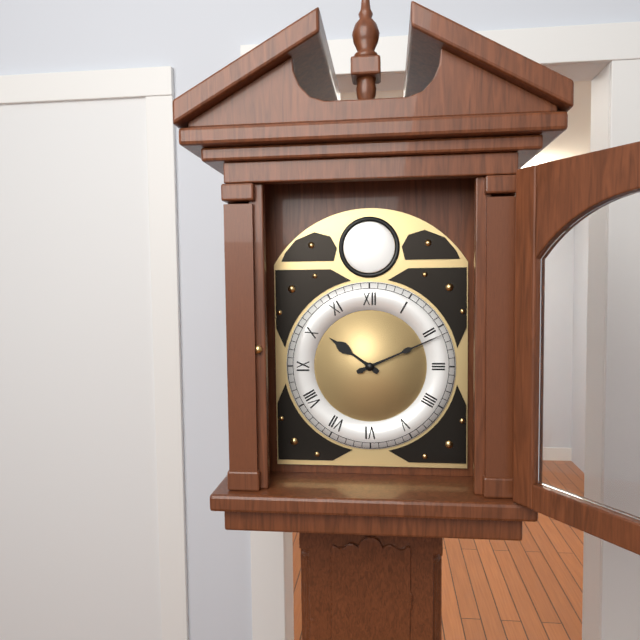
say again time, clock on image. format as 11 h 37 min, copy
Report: 10 h 11 min
